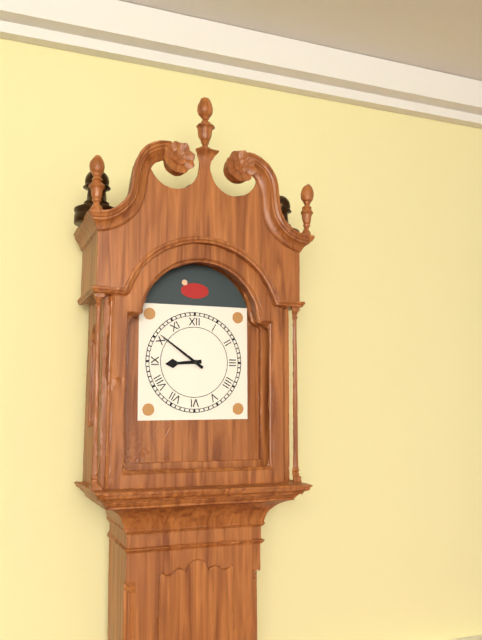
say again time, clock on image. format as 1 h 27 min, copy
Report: 8 h 51 min
